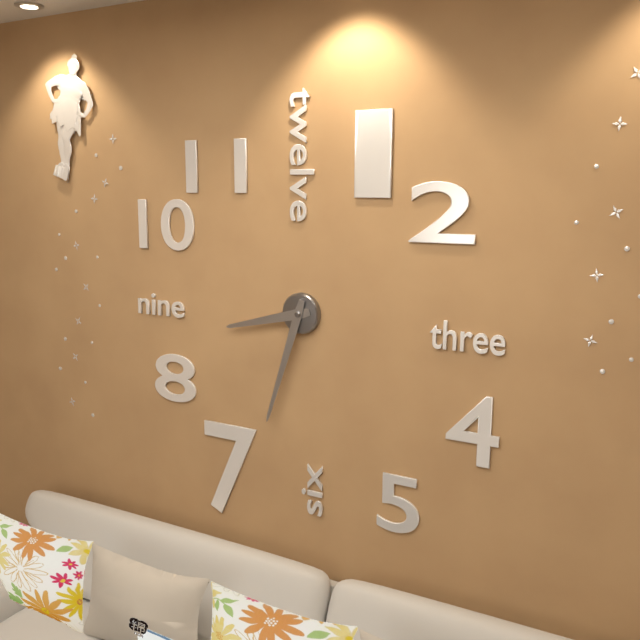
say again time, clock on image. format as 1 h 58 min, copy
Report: 8 h 33 min
